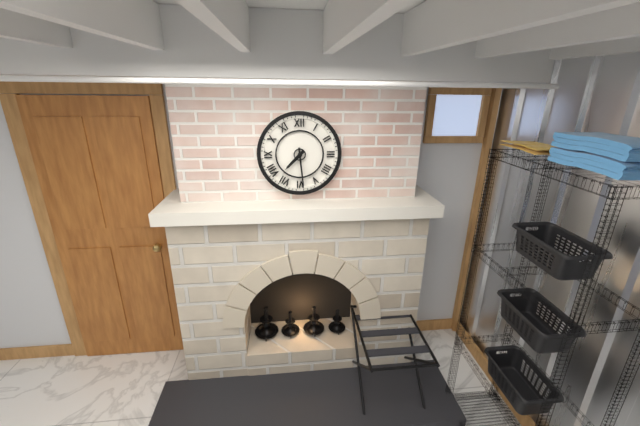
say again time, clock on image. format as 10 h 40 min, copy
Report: 7 h 29 min
